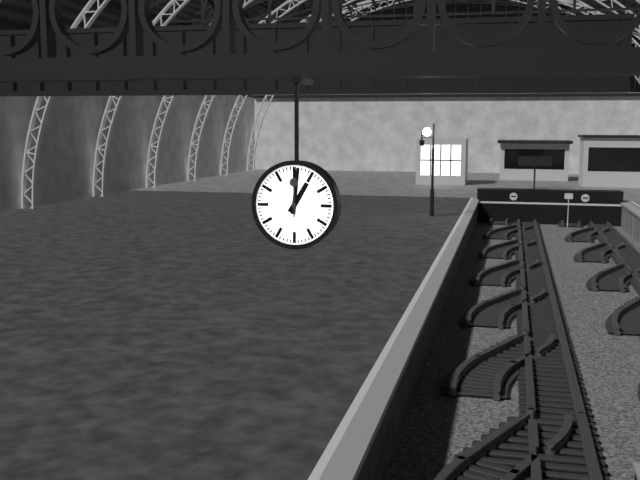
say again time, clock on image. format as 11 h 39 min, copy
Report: 1 h 01 min
